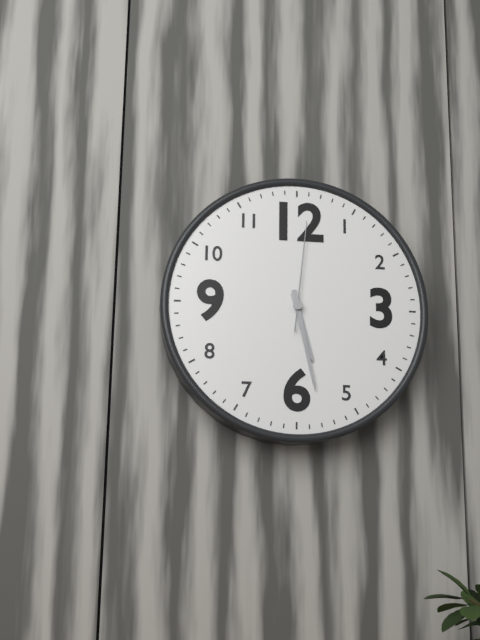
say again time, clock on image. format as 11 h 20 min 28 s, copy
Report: 5 h 28 min 01 s
